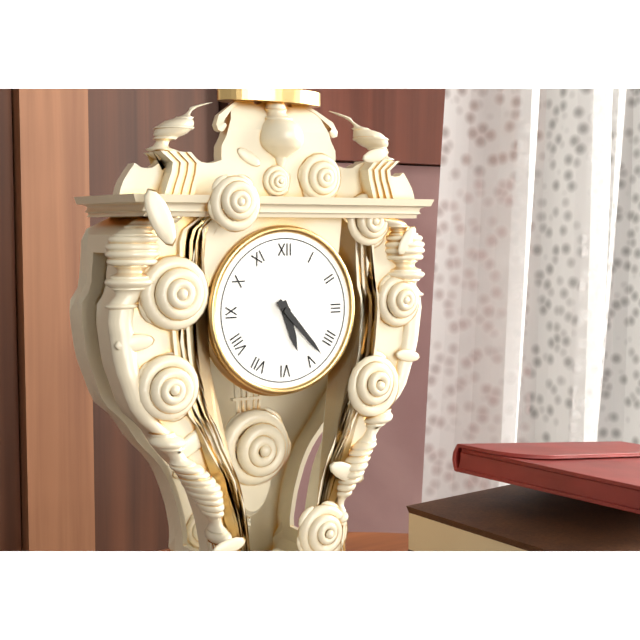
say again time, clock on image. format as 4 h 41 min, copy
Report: 5 h 23 min
